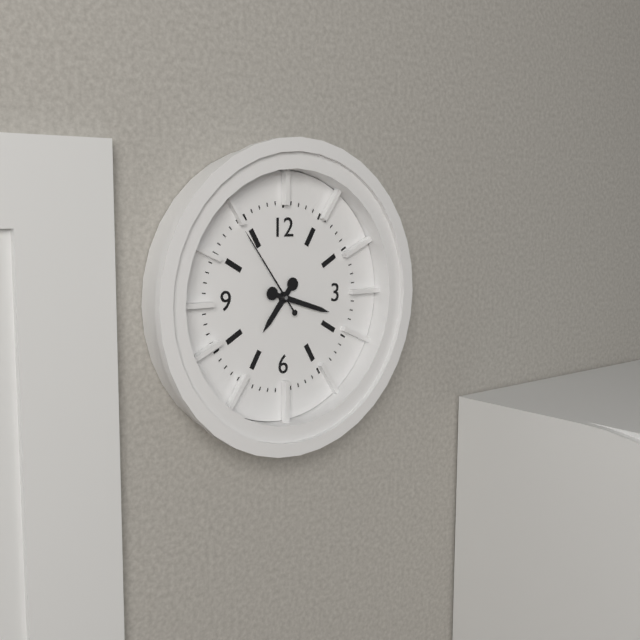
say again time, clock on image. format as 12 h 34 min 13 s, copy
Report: 7 h 18 min 54 s
